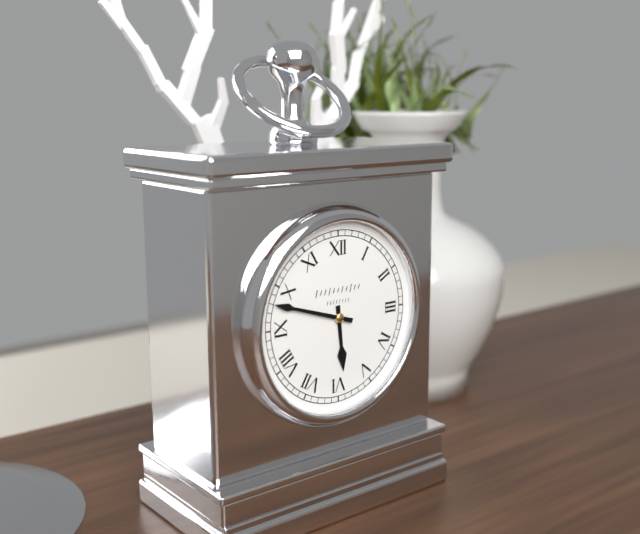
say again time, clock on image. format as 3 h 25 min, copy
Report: 5 h 48 min
